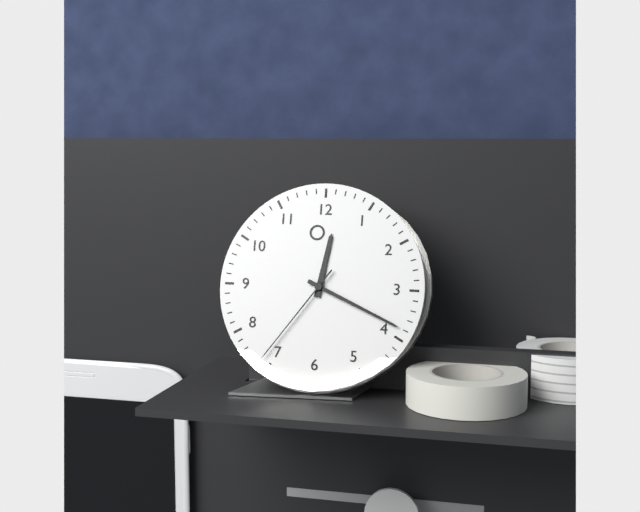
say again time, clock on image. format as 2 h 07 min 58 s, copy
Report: 12 h 19 min 36 s
